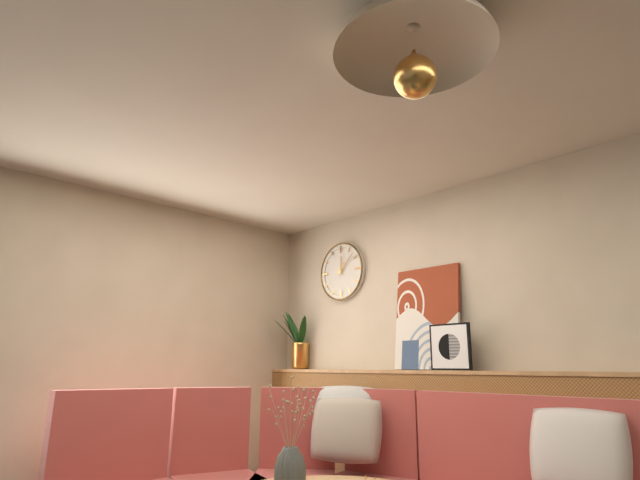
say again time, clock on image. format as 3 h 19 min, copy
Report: 12 h 08 min
